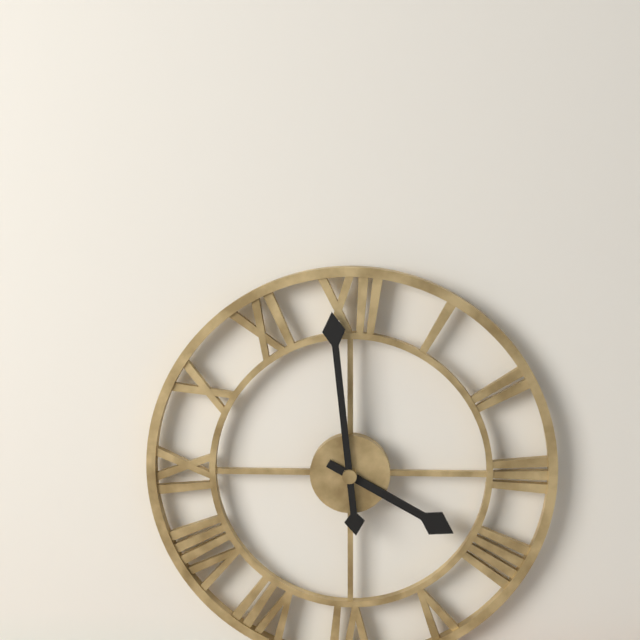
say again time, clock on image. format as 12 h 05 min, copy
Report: 3 h 59 min
